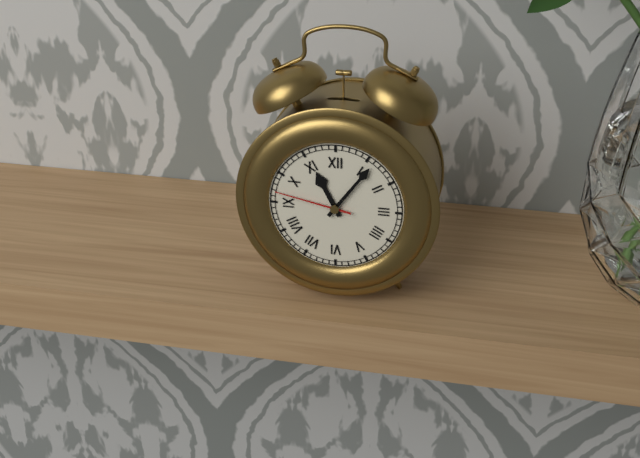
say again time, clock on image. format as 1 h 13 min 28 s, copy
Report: 11 h 06 min 47 s
